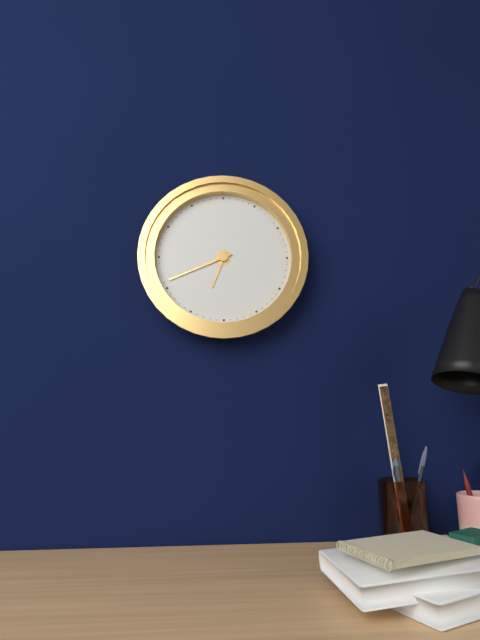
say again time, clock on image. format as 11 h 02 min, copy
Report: 6 h 41 min
